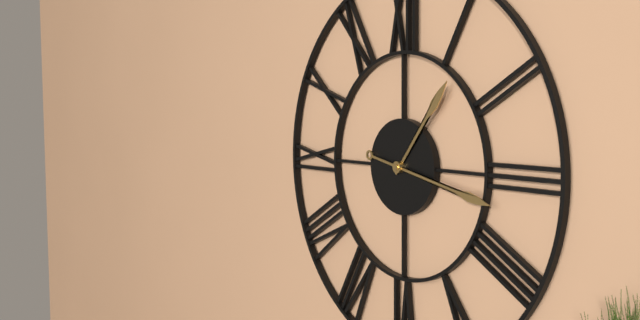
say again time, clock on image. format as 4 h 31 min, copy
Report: 1 h 17 min
